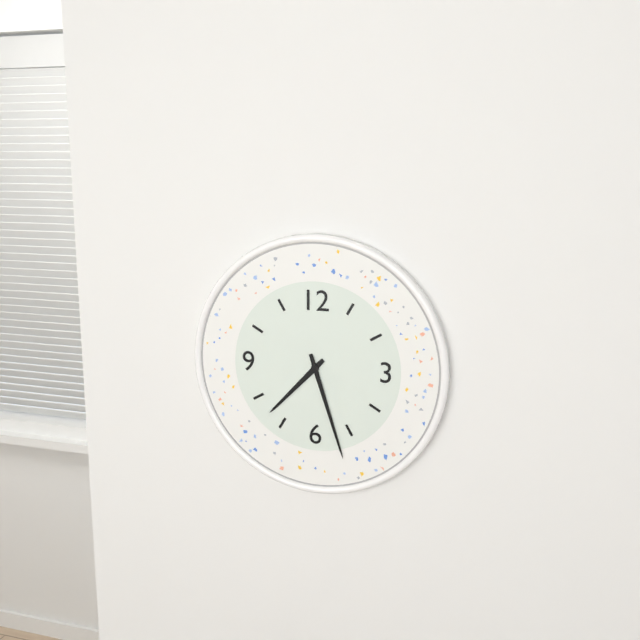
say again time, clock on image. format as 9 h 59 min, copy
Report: 7 h 27 min
